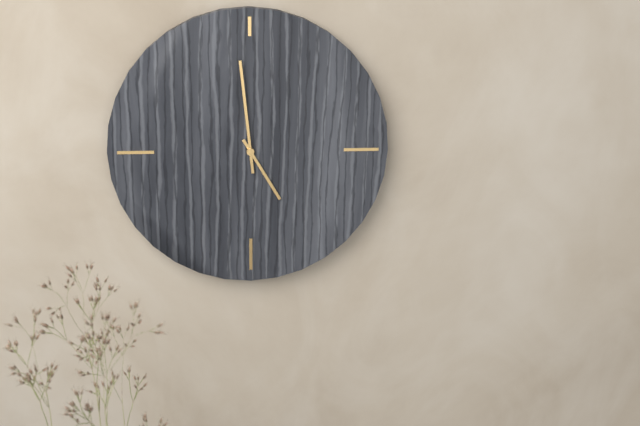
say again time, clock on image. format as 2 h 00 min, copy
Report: 4 h 59 min
